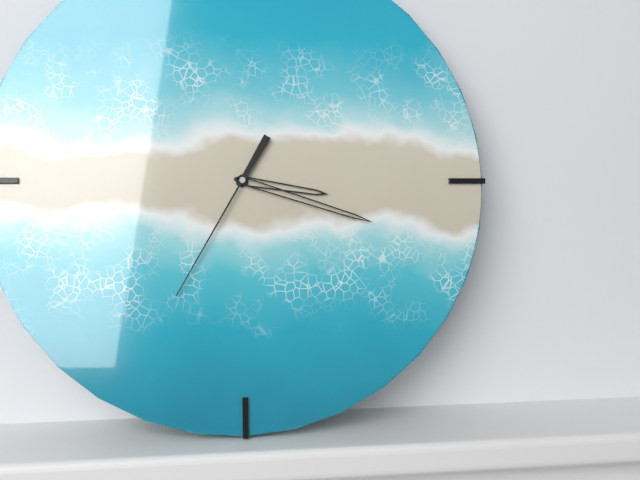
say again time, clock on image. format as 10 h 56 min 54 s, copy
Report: 3 h 18 min 35 s
